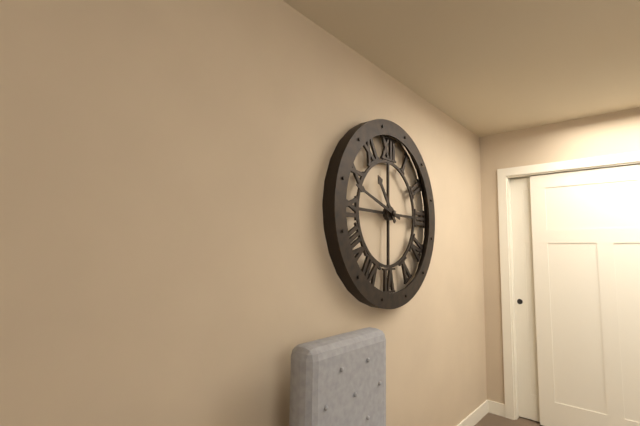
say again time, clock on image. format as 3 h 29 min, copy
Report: 10 h 48 min
